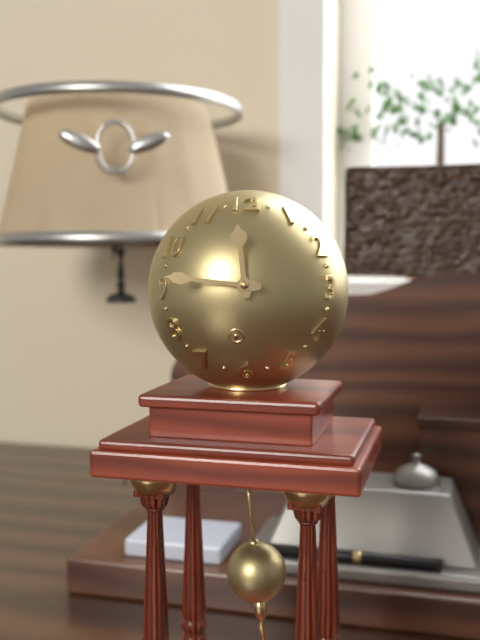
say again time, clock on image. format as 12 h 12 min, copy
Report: 11 h 46 min
